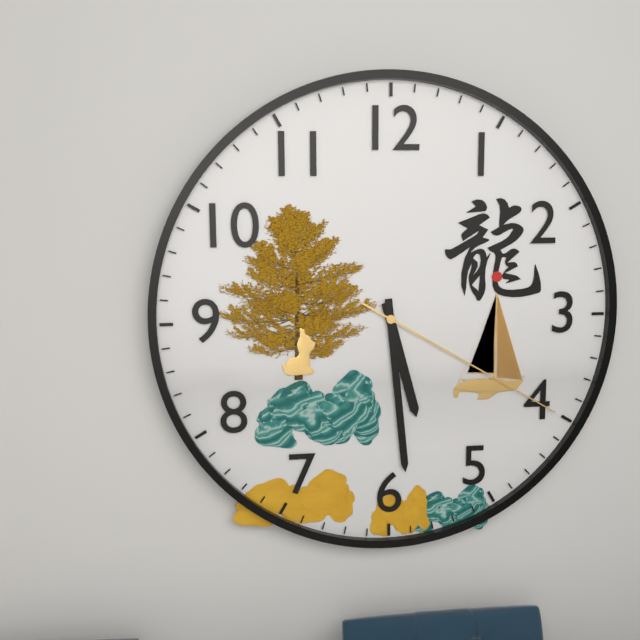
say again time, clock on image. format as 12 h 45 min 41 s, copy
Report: 5 h 29 min 20 s
